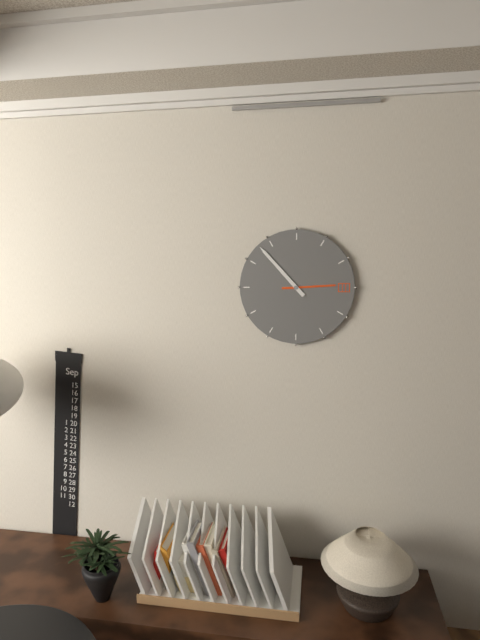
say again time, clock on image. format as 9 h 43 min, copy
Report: 2 h 53 min
